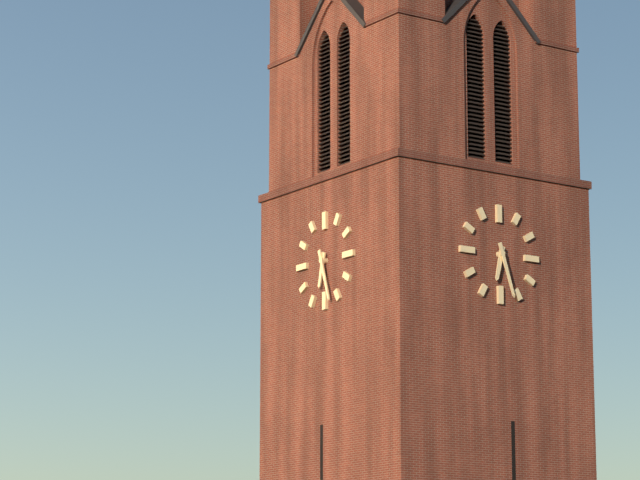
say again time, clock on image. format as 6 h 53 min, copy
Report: 6 h 27 min
